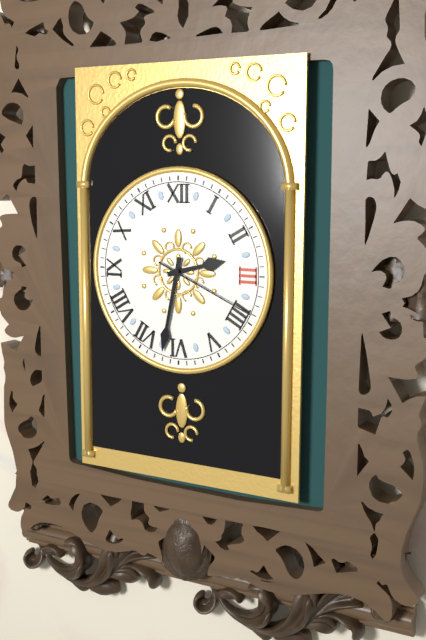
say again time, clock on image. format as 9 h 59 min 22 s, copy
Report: 2 h 32 min 19 s
